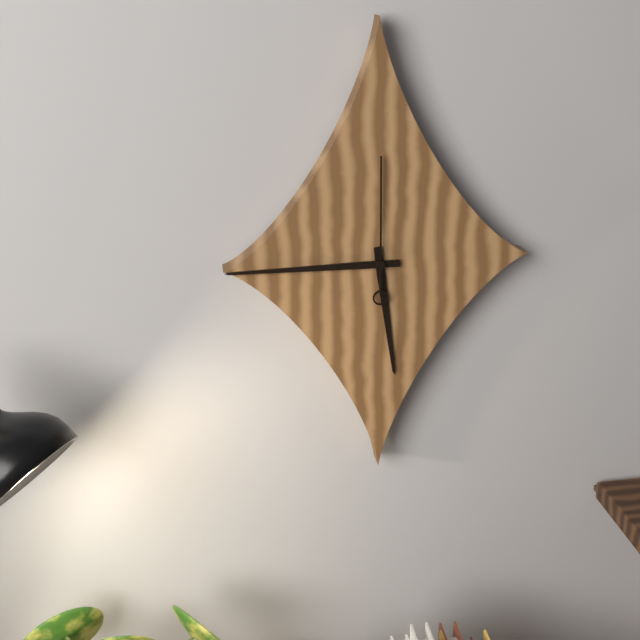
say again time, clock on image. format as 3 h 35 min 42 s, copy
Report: 5 h 45 min 00 s
